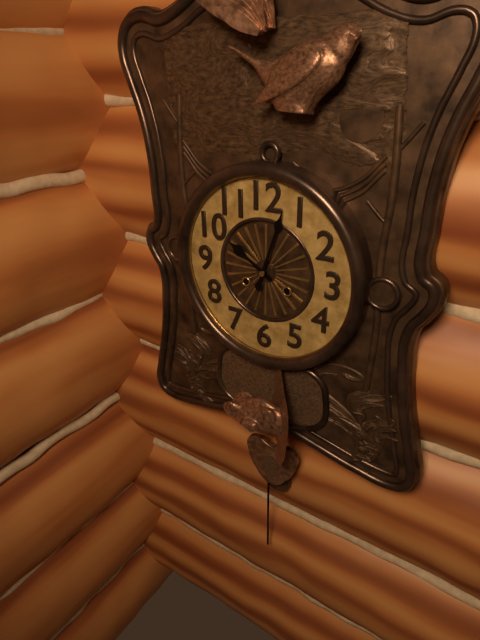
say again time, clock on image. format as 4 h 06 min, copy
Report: 10 h 03 min
